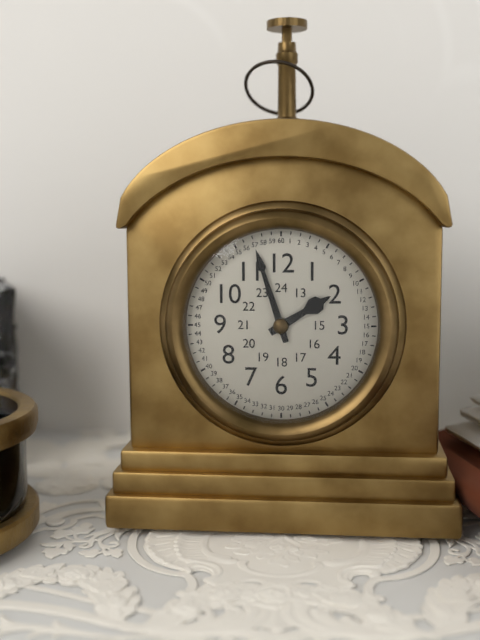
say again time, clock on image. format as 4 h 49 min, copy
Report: 1 h 57 min
